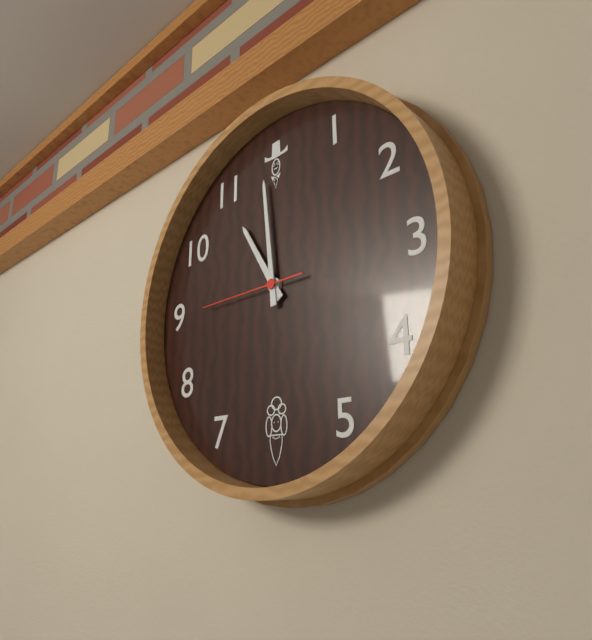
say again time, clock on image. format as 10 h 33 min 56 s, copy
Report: 10 h 59 min 45 s
